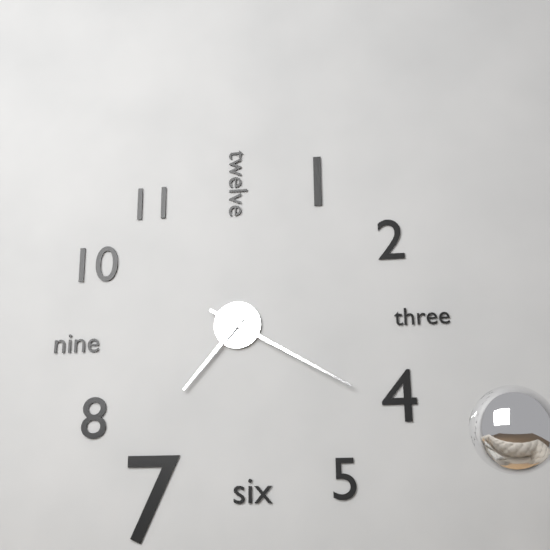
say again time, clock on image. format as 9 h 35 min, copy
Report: 7 h 20 min
